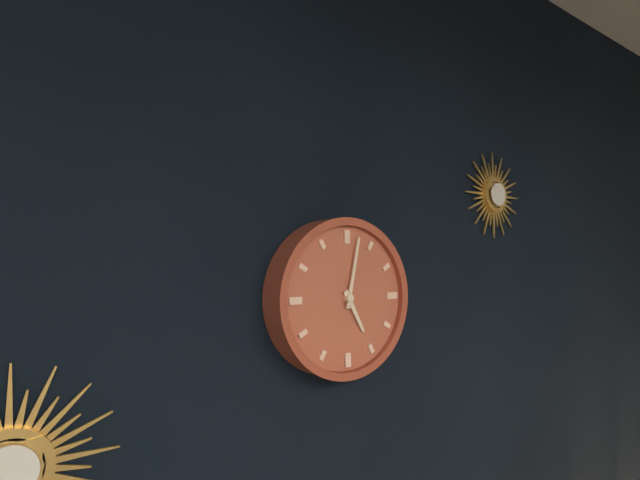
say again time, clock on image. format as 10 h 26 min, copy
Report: 5 h 02 min
